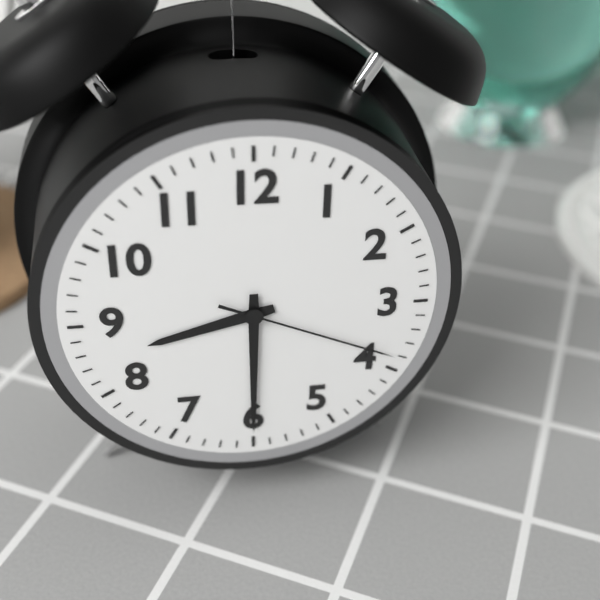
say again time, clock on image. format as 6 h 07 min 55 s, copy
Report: 8 h 30 min 19 s
